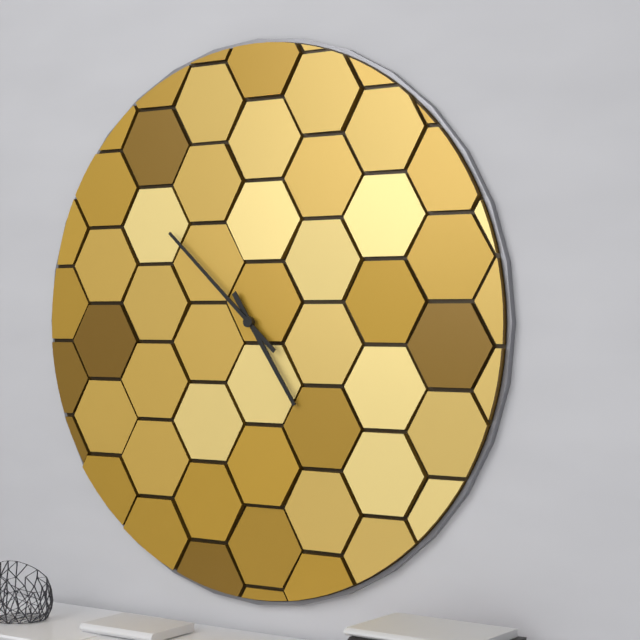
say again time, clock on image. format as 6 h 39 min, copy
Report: 4 h 52 min
